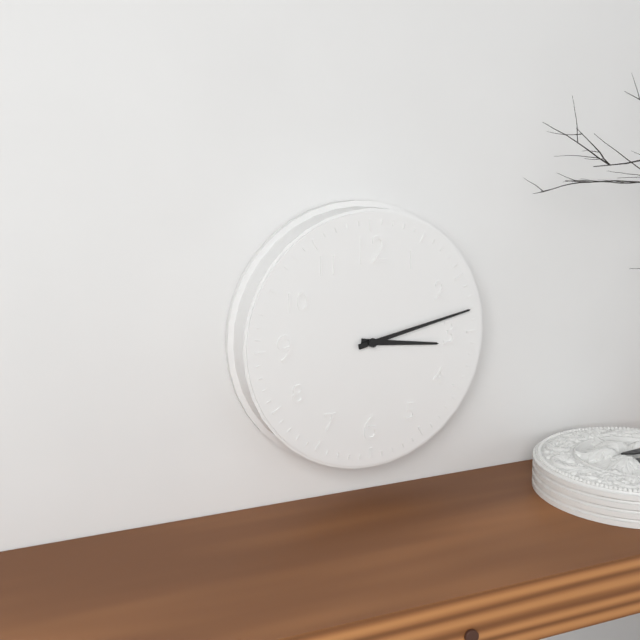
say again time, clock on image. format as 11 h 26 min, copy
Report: 3 h 13 min
